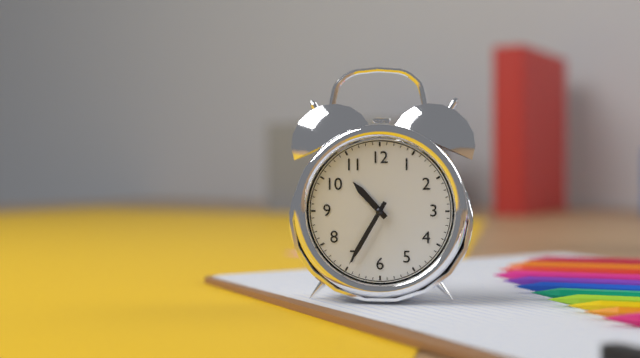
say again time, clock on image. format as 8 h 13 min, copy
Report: 10 h 35 min
